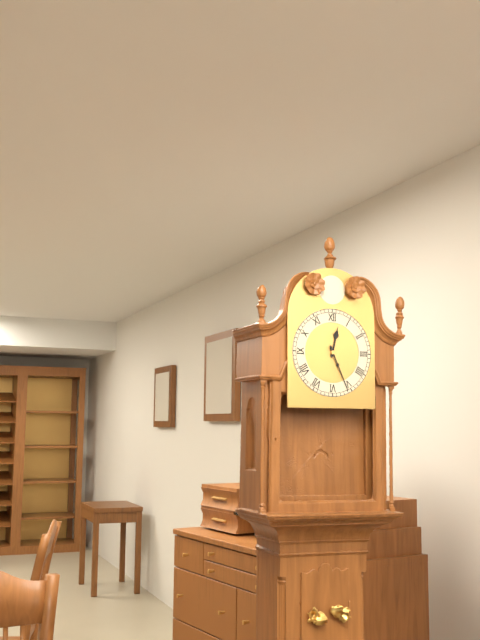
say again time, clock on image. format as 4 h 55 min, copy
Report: 12 h 26 min
